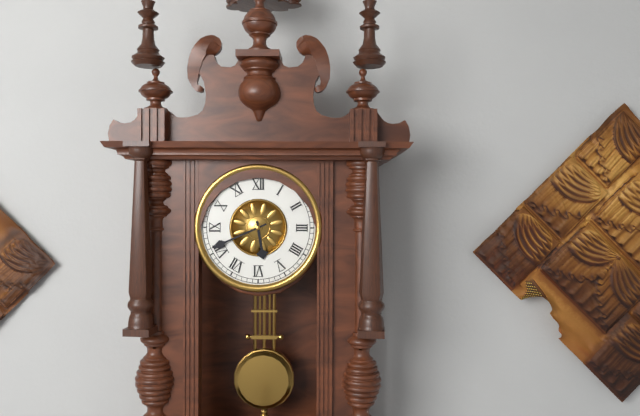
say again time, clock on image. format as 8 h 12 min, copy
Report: 5 h 41 min
